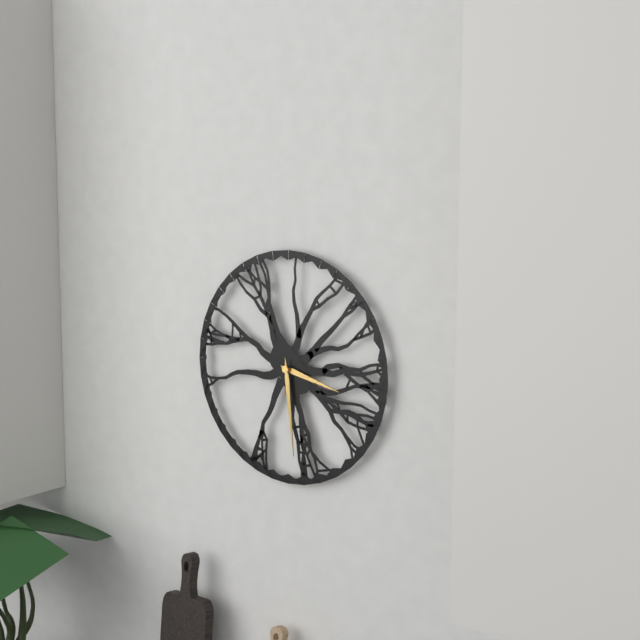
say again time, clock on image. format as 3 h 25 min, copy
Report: 3 h 29 min
